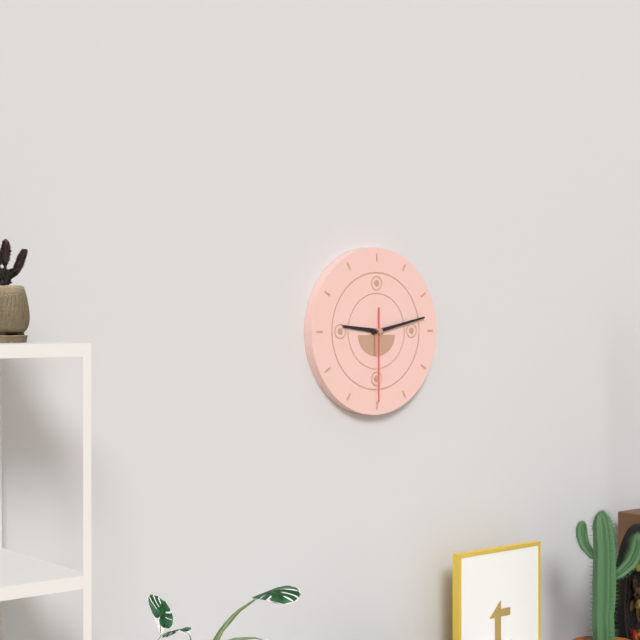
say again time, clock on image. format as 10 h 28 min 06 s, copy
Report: 9 h 13 min 30 s
